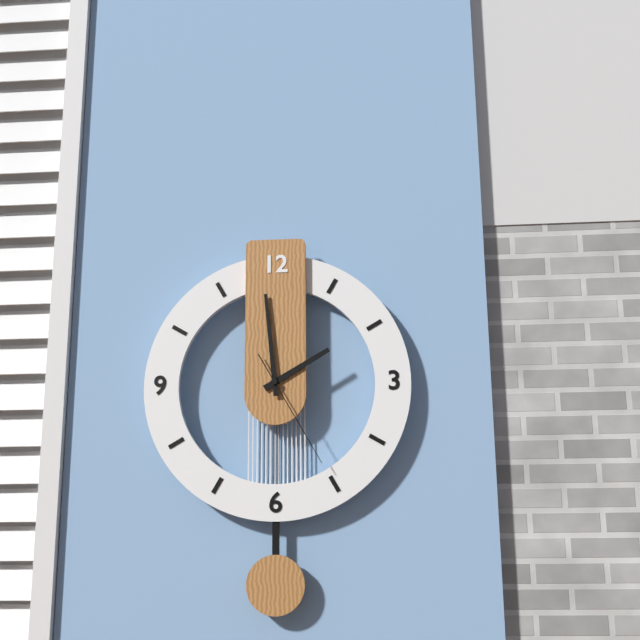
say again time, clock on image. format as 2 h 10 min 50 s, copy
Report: 1 h 59 min 25 s
